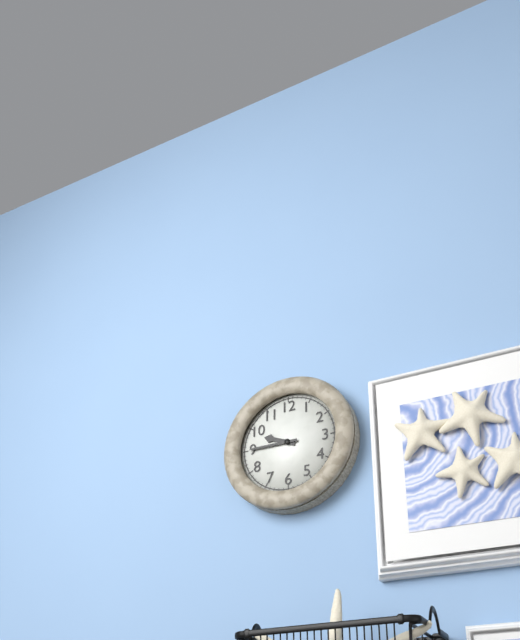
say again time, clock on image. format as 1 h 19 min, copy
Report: 9 h 45 min
